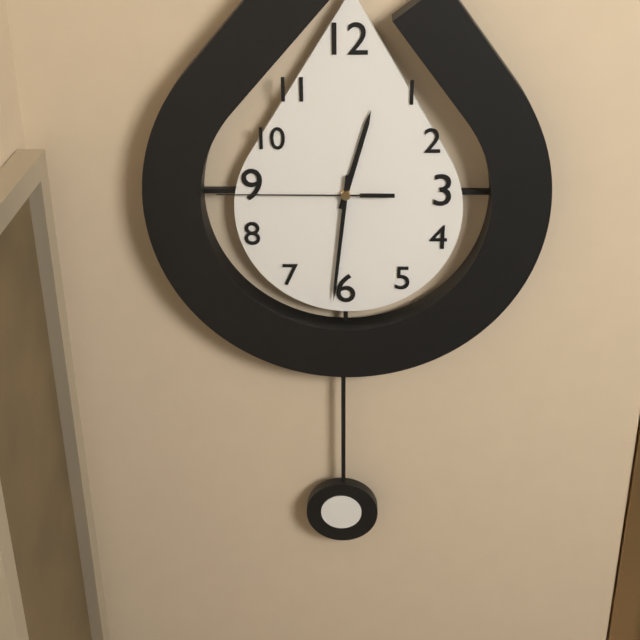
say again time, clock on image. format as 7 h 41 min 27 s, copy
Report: 12 h 31 min 45 s
